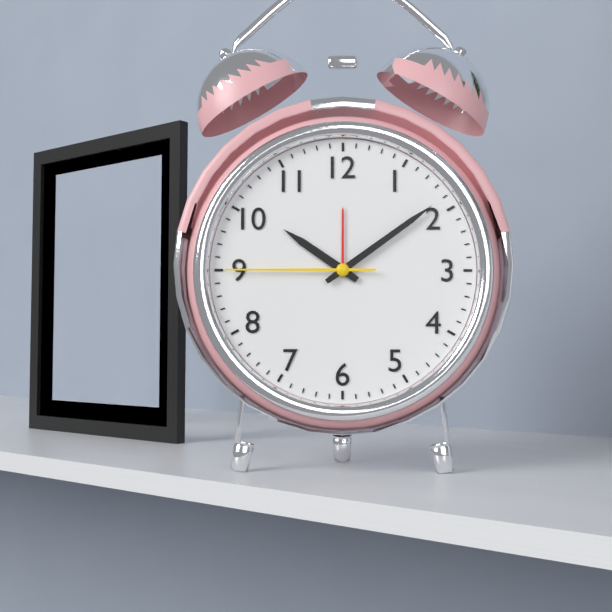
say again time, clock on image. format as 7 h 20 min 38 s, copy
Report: 10 h 09 min 45 s
